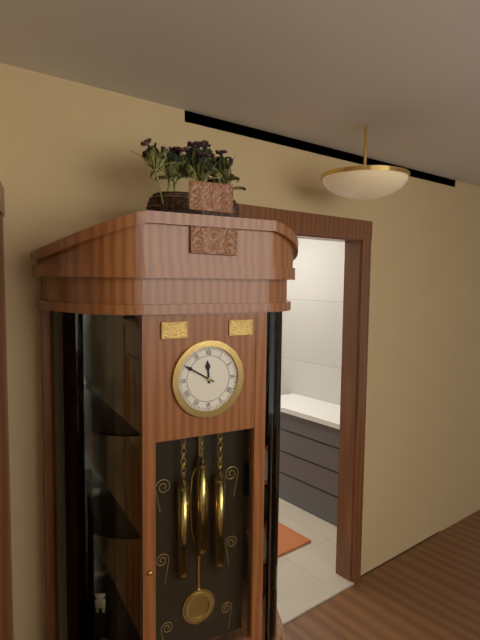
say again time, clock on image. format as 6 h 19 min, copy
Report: 11 h 50 min
